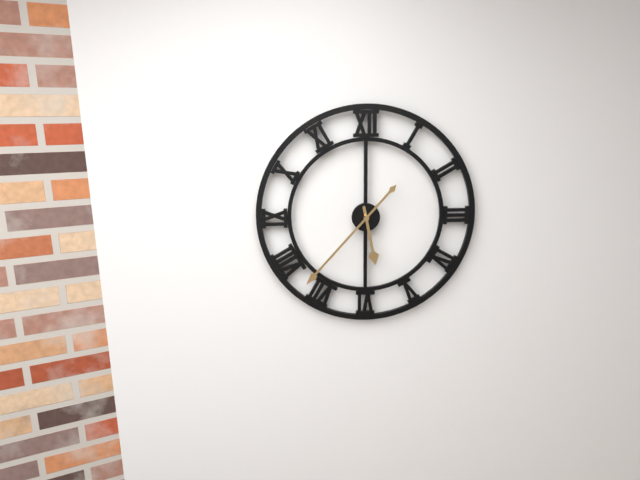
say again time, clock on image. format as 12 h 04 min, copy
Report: 5 h 37 min
